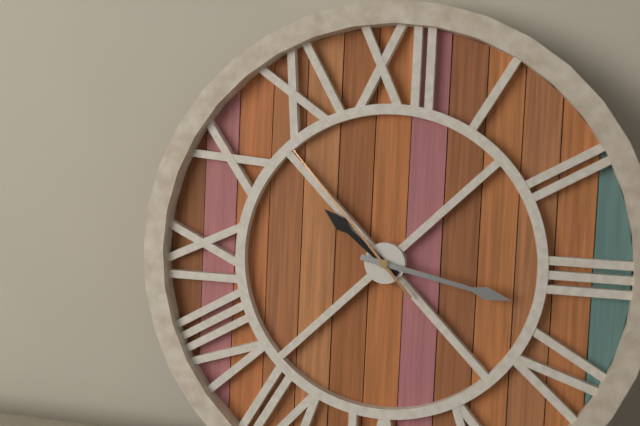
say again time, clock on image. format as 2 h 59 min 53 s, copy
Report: 10 h 17 min 53 s
